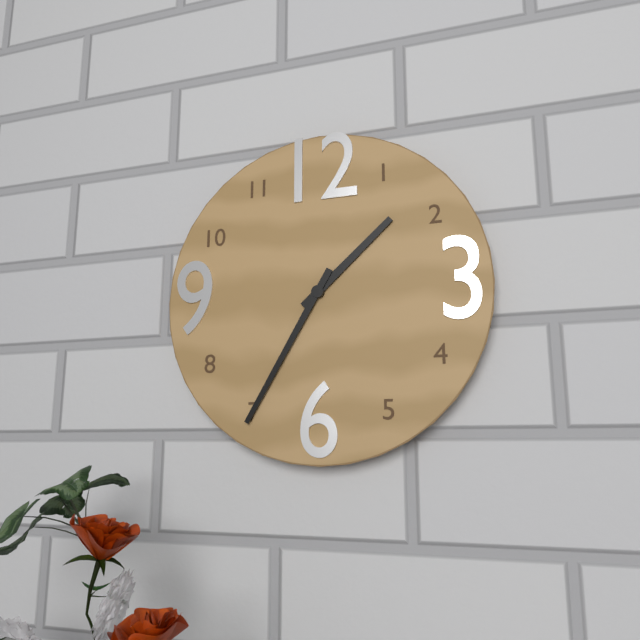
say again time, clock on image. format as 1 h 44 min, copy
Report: 1 h 35 min
